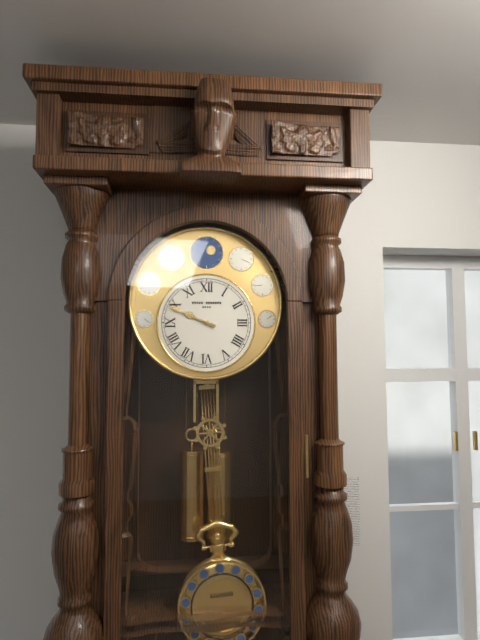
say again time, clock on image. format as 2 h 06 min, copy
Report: 9 h 49 min
